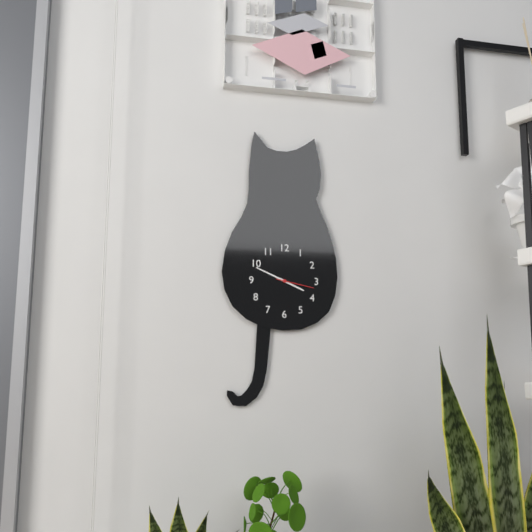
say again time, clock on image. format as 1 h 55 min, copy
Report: 3 h 49 min
